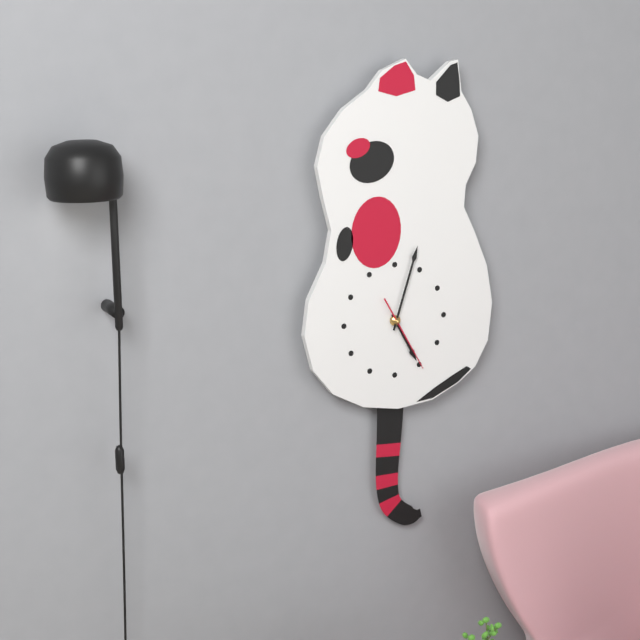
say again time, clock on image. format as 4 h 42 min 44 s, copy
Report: 5 h 03 min 25 s
